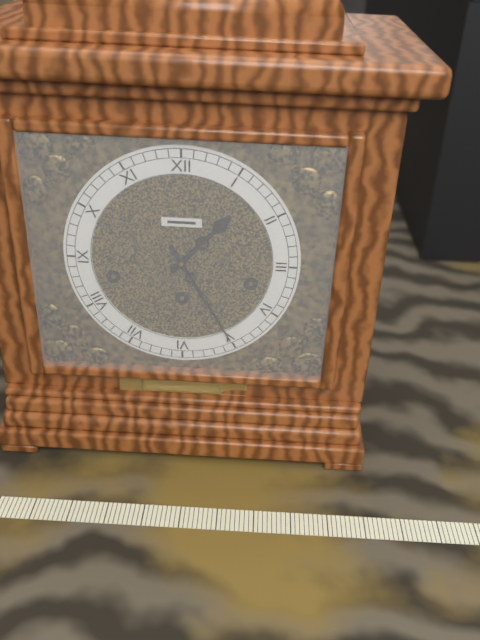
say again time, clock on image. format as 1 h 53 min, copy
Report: 1 h 25 min
